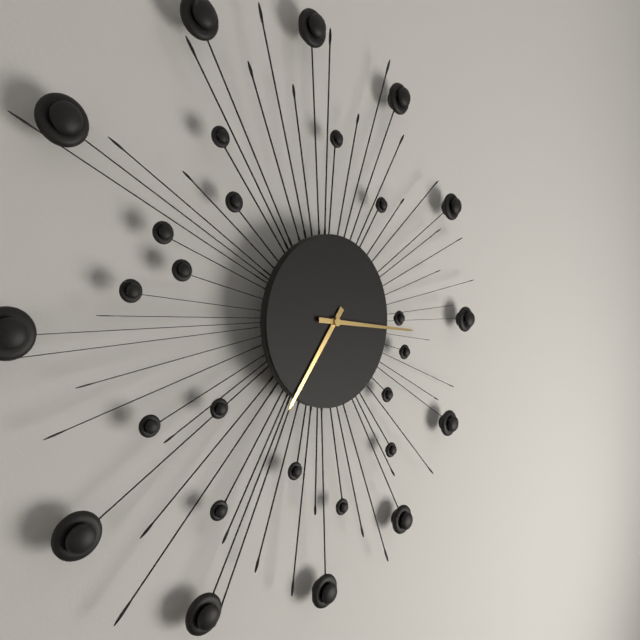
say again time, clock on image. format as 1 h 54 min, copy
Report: 7 h 16 min
